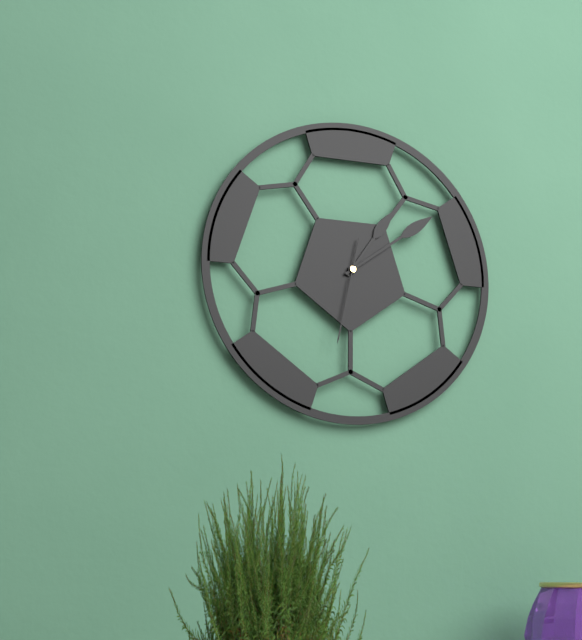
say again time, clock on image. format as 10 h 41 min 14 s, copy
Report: 1 h 09 min 32 s
